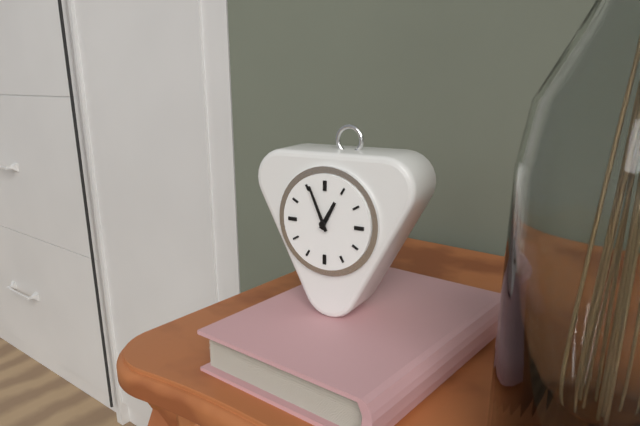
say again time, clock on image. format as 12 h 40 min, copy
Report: 12 h 56 min
